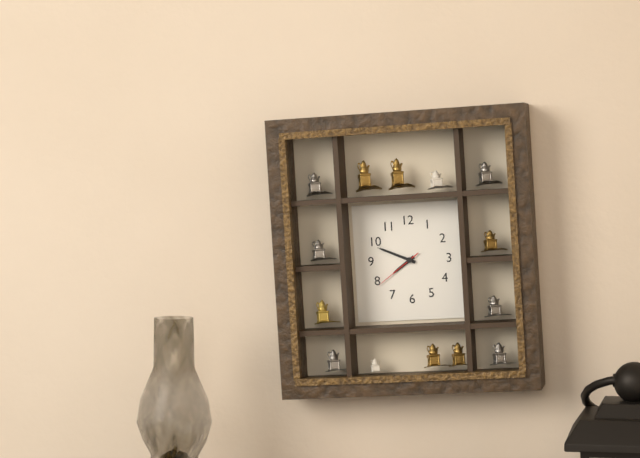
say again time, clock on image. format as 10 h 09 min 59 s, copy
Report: 7 h 49 min 39 s
